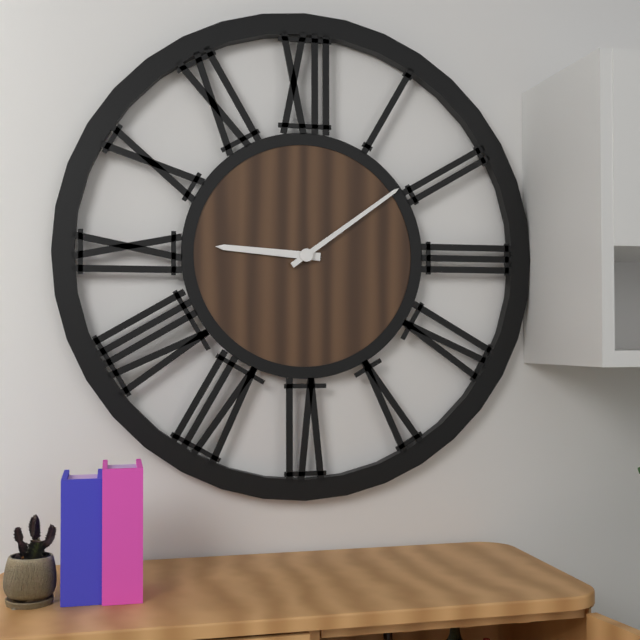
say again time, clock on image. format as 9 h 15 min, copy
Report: 9 h 09 min
